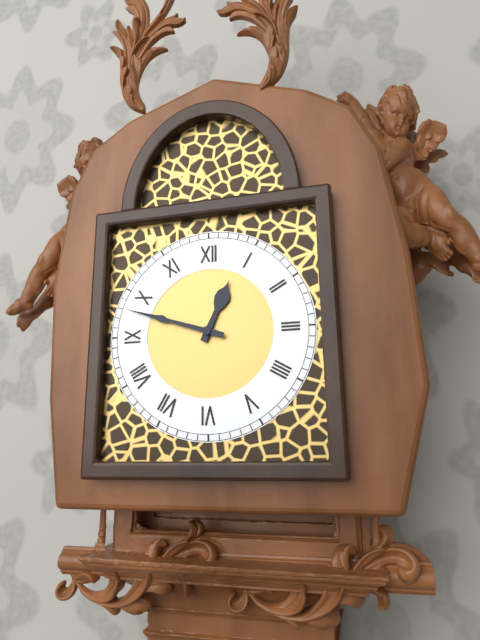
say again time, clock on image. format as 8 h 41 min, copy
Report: 12 h 48 min
